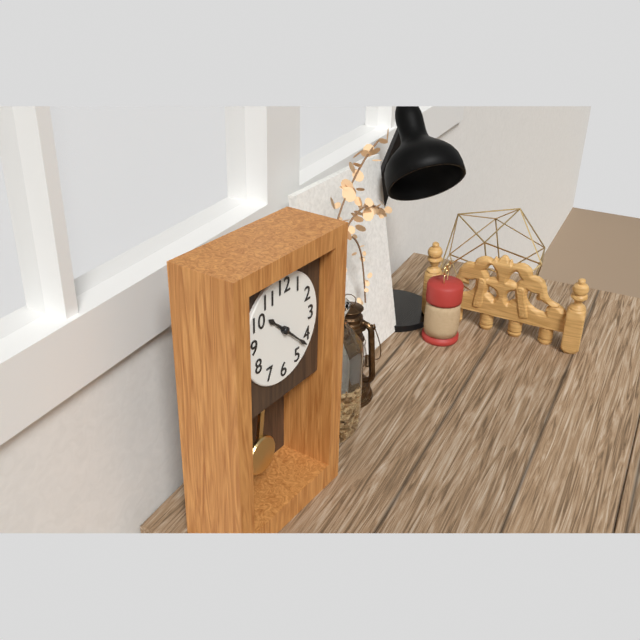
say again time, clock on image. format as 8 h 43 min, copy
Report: 10 h 22 min
